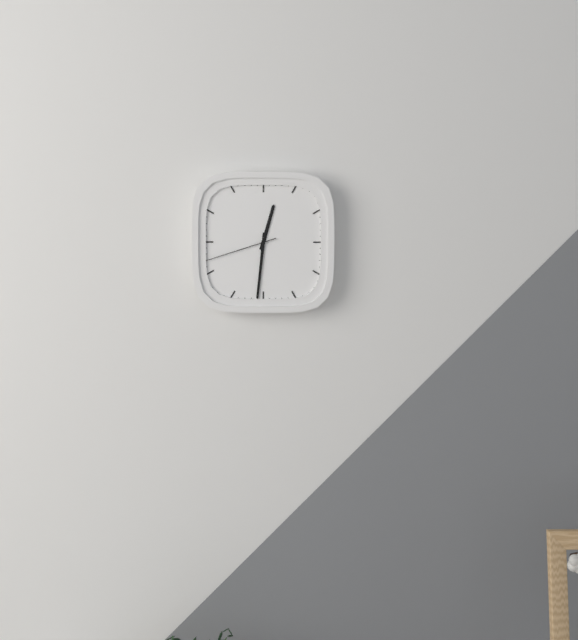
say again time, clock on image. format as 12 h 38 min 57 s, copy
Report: 12 h 31 min 42 s
